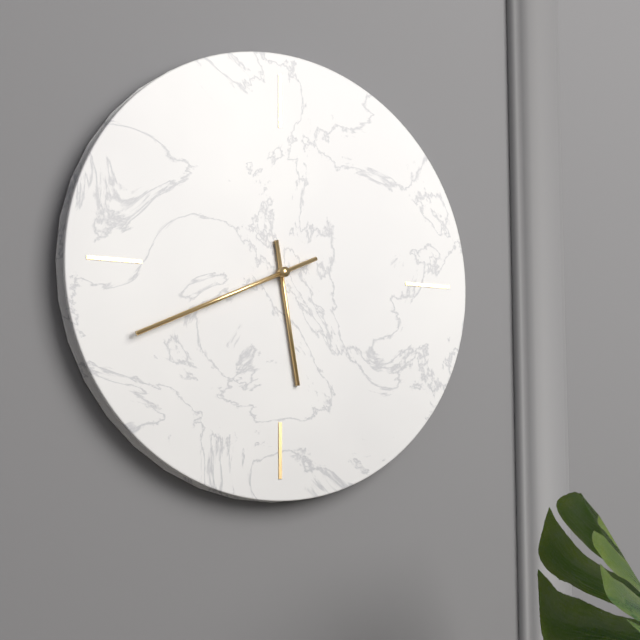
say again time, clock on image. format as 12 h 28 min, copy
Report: 5 h 41 min
